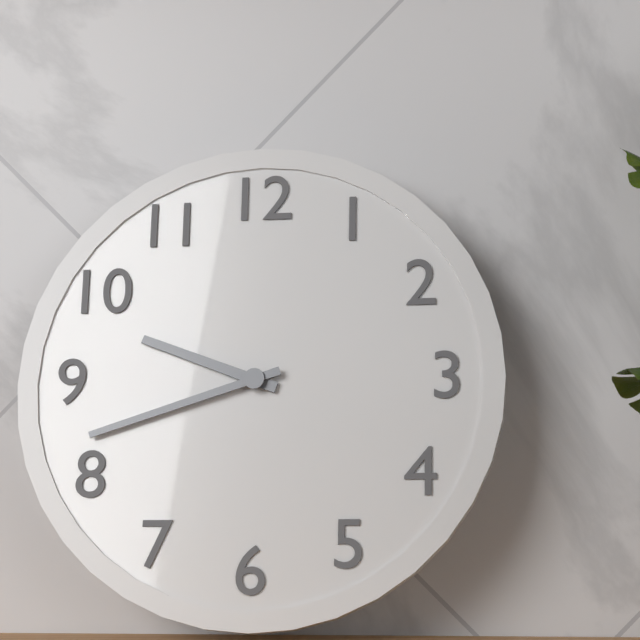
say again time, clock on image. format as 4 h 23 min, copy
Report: 9 h 42 min
